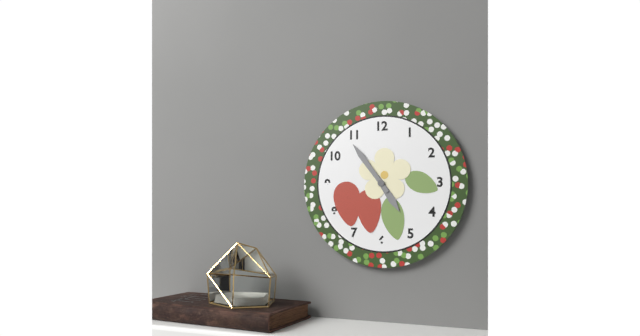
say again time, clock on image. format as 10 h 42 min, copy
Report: 4 h 54 min
